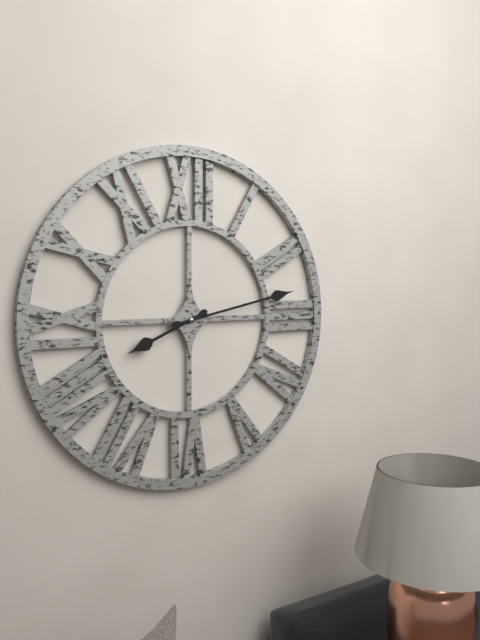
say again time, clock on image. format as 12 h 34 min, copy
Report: 8 h 13 min
